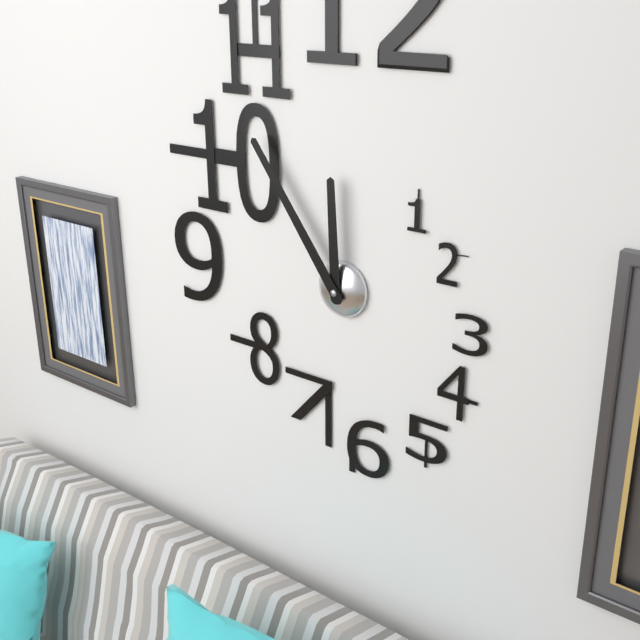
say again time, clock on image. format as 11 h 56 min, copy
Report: 11 h 54 min
